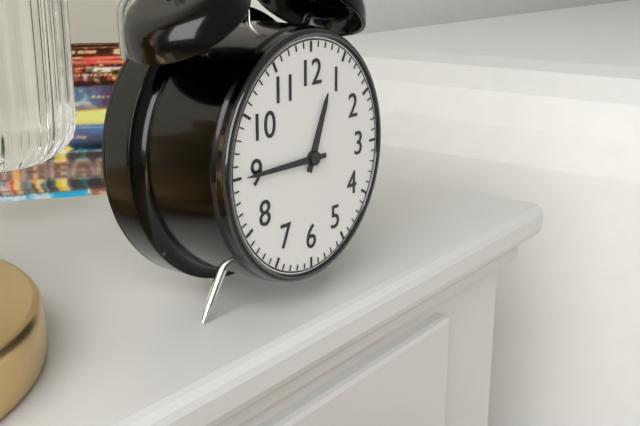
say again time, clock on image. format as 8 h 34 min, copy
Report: 12 h 45 min
